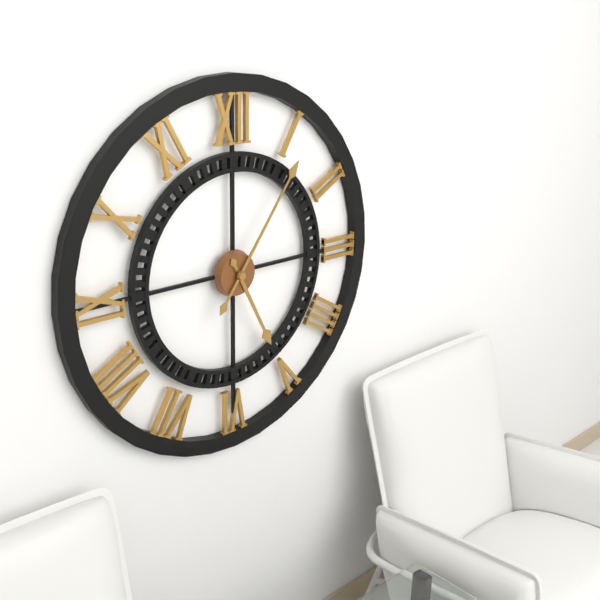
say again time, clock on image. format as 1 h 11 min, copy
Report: 5 h 06 min
